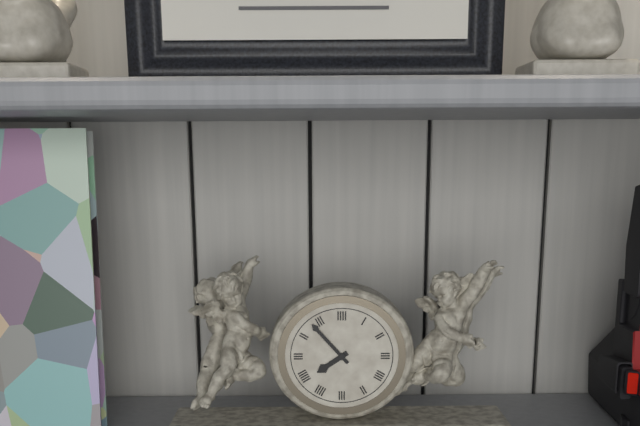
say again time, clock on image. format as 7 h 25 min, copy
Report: 7 h 53 min
